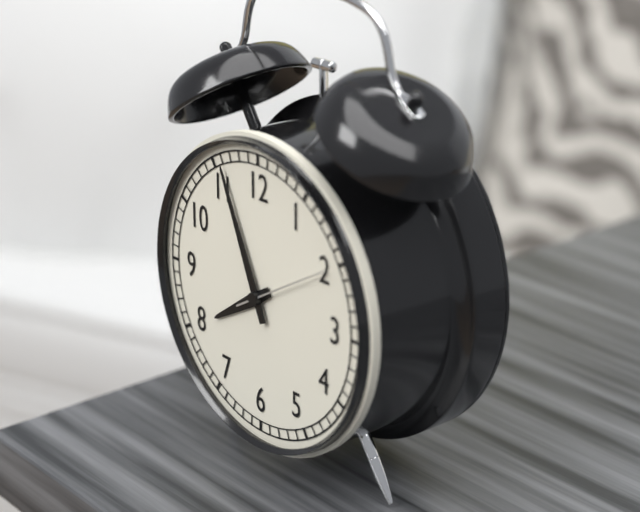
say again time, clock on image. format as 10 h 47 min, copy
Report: 7 h 56 min
